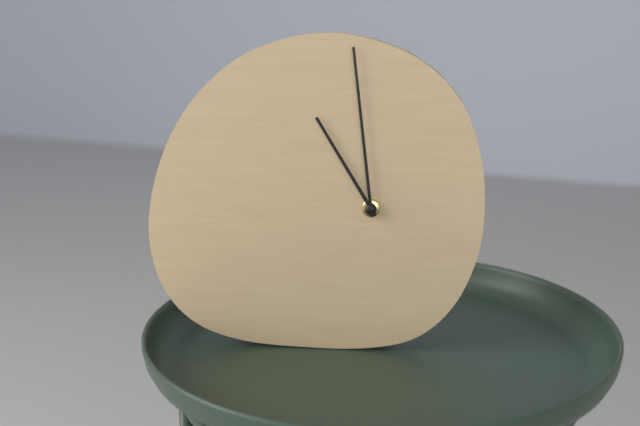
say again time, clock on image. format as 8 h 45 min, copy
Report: 10 h 59 min
